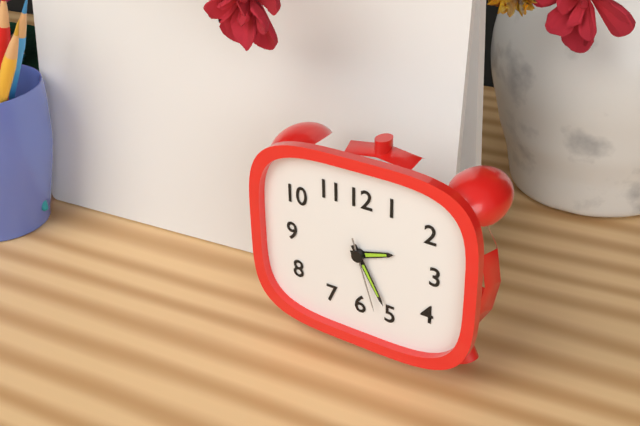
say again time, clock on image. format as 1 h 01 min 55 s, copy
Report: 2 h 25 min 27 s
